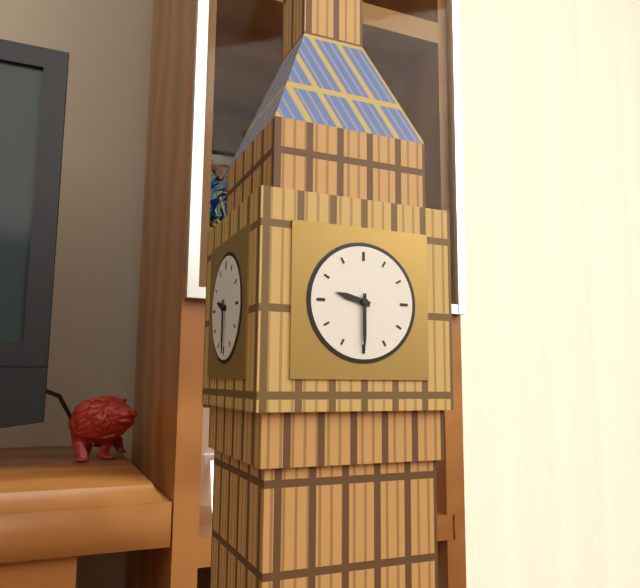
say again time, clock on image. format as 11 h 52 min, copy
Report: 9 h 30 min
